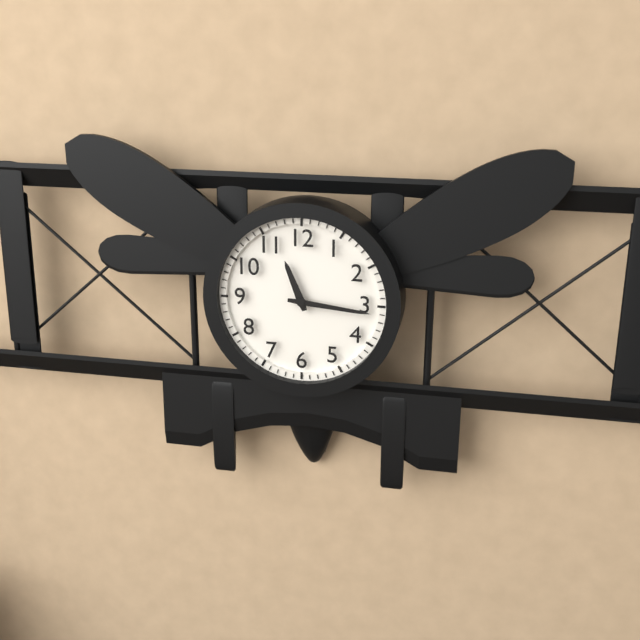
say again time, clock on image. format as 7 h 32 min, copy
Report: 11 h 16 min
